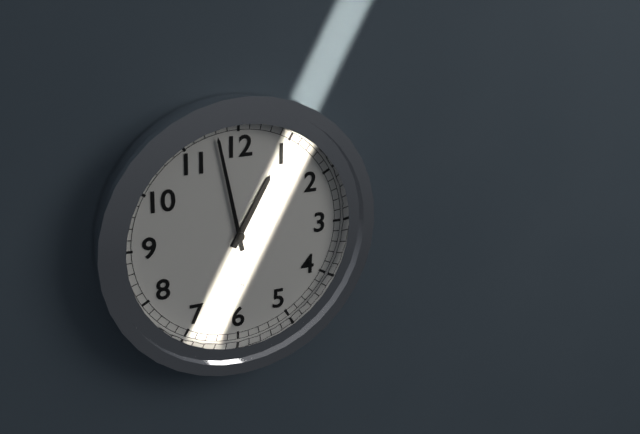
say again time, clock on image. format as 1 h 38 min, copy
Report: 12 h 58 min
